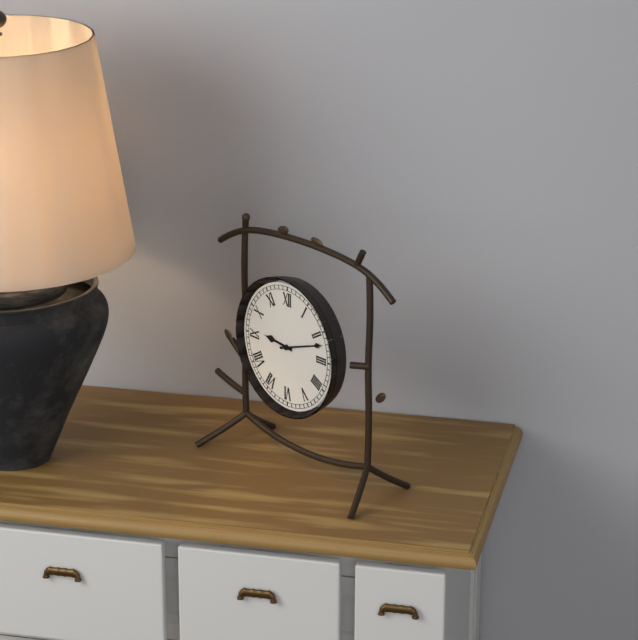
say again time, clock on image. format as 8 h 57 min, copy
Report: 9 h 12 min
